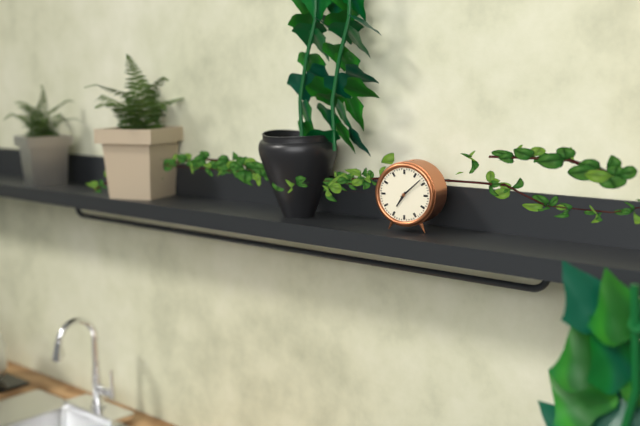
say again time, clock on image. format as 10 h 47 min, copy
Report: 7 h 08 min
